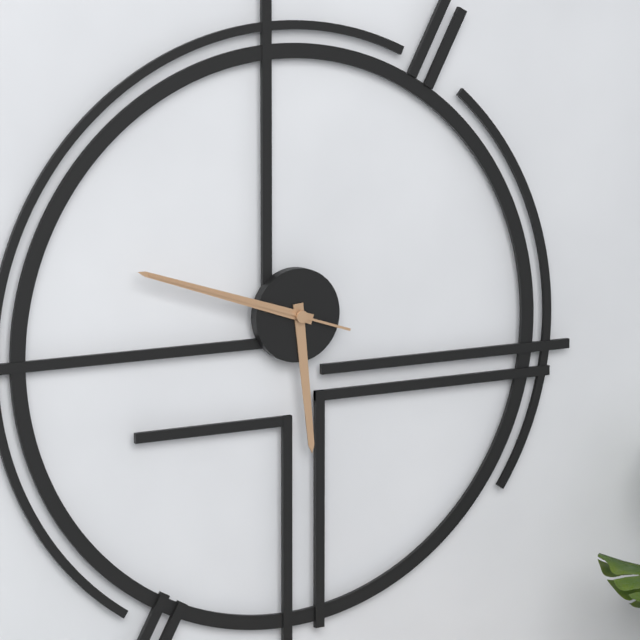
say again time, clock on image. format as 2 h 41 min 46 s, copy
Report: 5 h 48 min 48 s
